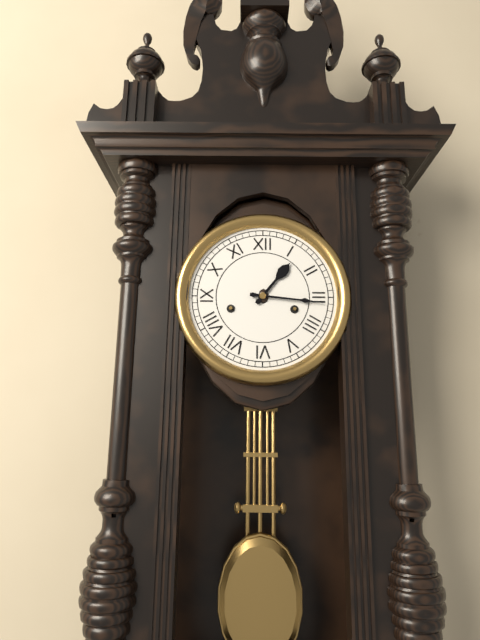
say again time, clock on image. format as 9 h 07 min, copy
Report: 1 h 16 min
